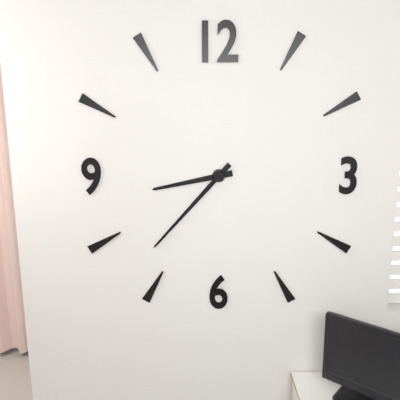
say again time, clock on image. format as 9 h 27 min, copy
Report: 8 h 37 min
